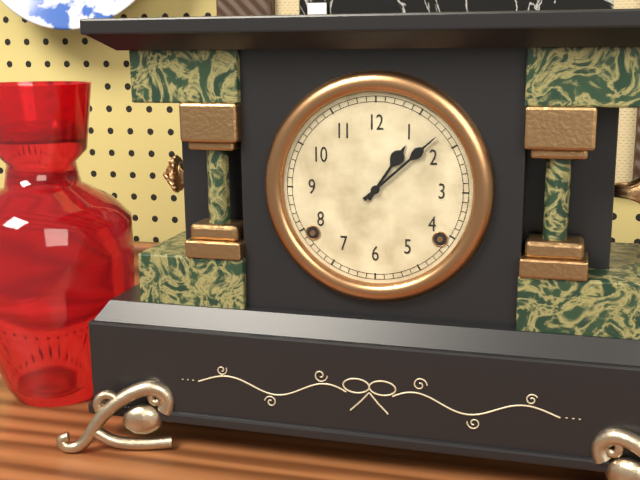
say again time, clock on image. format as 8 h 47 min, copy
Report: 1 h 08 min
